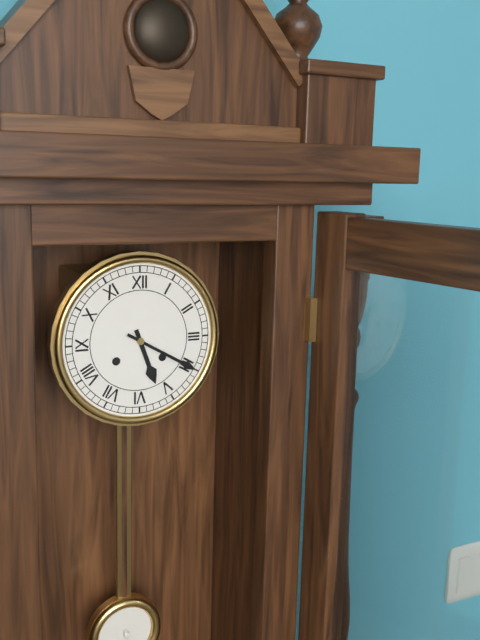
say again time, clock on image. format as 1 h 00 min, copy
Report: 5 h 20 min
